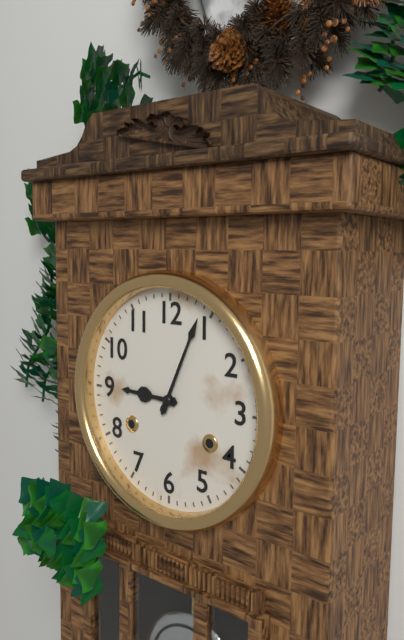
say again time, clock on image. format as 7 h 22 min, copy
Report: 9 h 04 min
